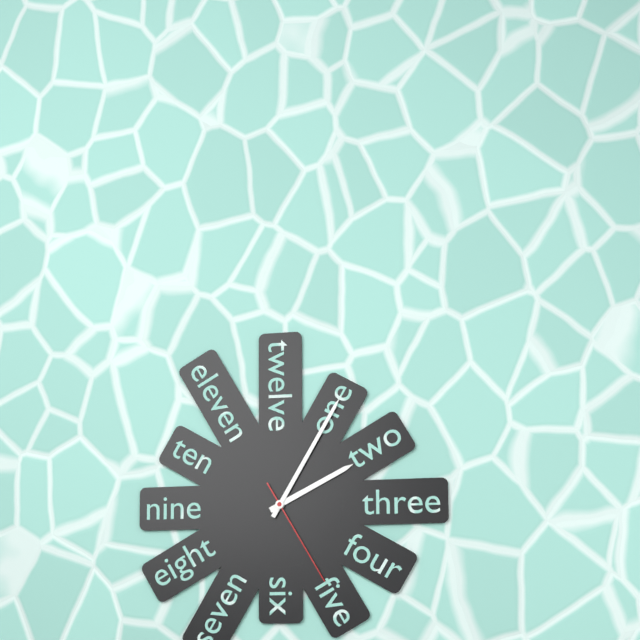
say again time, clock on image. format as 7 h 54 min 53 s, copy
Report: 2 h 05 min 25 s
